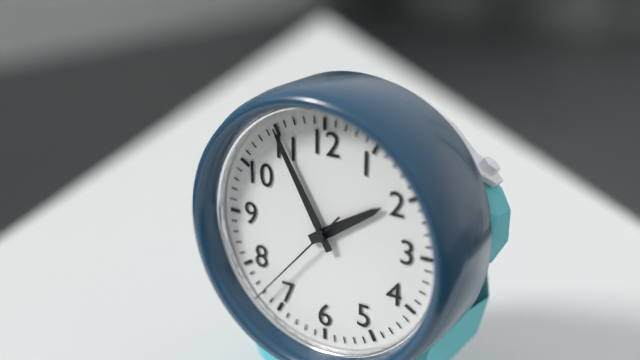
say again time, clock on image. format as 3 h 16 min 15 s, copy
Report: 1 h 55 min 37 s
